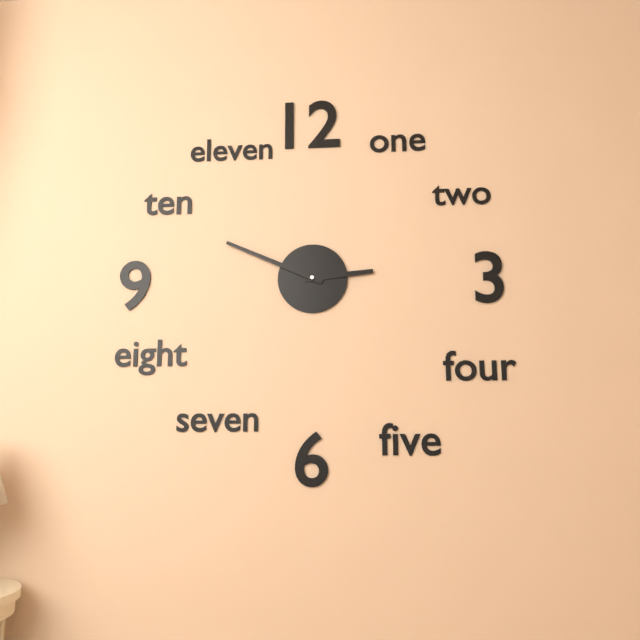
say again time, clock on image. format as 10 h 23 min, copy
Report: 2 h 49 min
